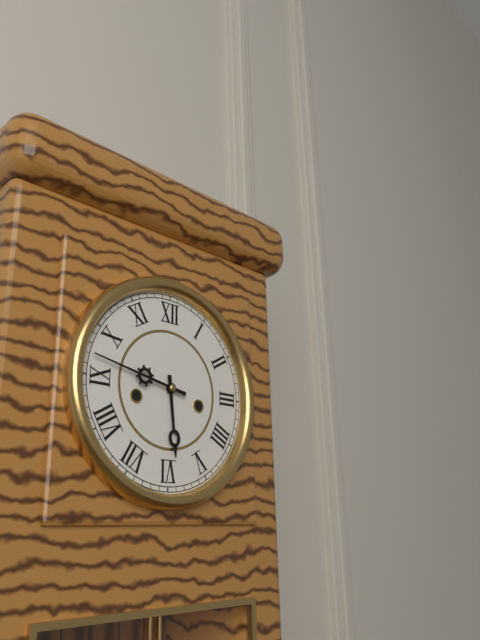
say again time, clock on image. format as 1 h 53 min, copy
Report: 5 h 47 min
